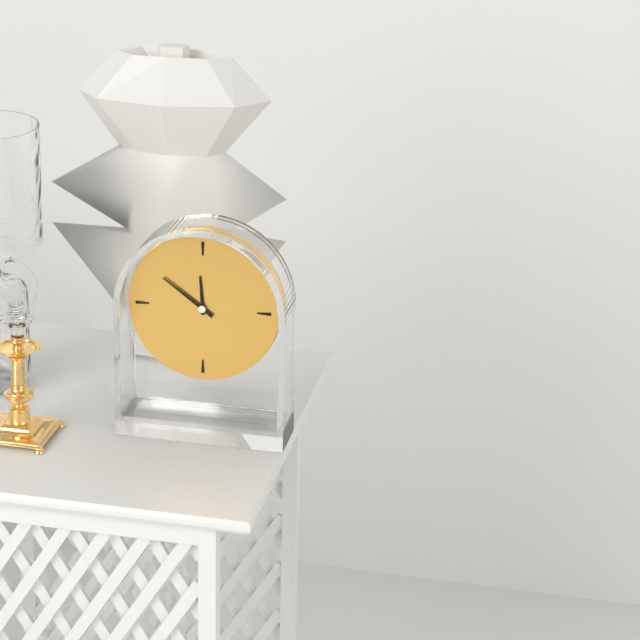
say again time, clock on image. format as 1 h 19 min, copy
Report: 11 h 51 min
